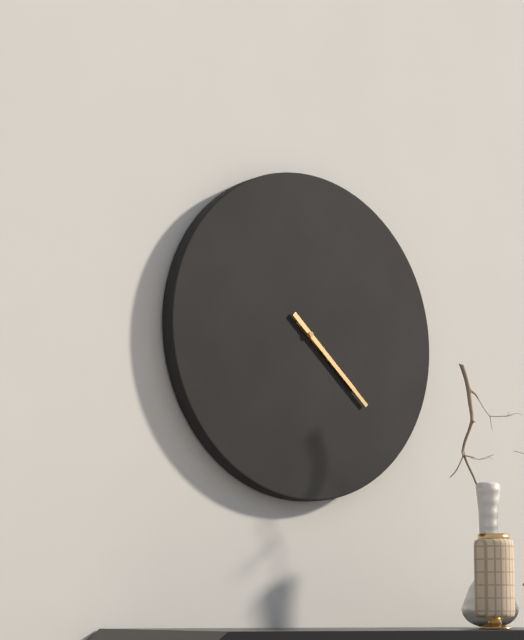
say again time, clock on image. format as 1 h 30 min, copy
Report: 4 h 22 min
